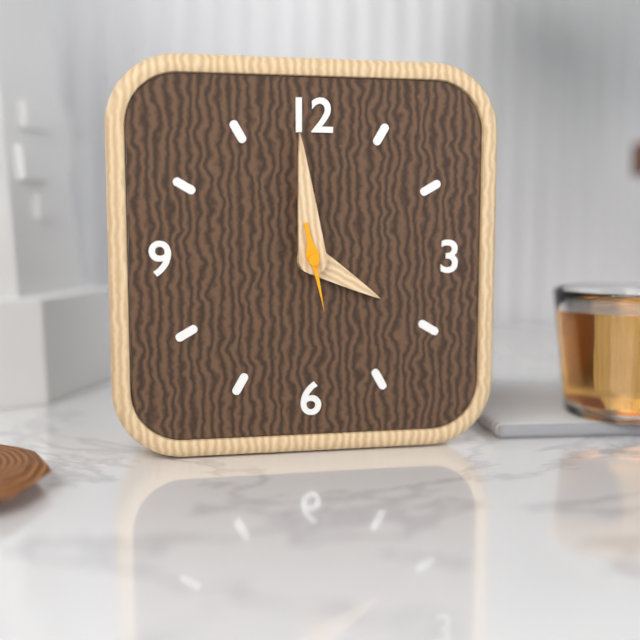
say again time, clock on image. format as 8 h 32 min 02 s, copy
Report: 3 h 59 min 28 s
